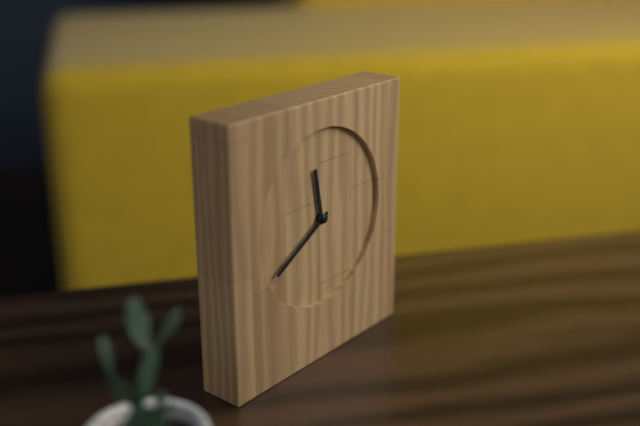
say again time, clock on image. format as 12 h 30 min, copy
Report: 11 h 40 min
